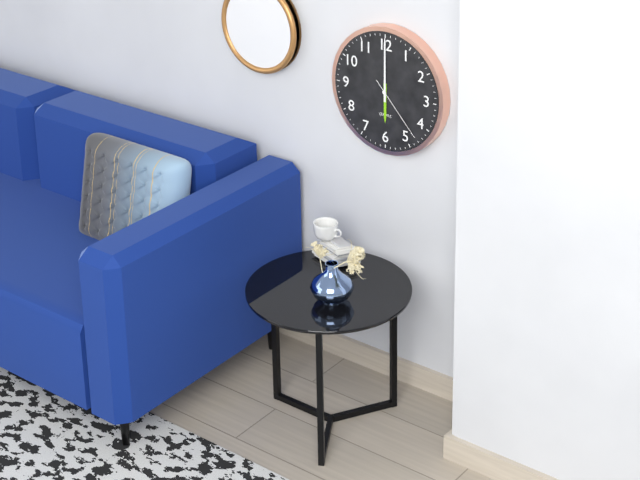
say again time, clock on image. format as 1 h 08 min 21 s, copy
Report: 6 h 00 min 23 s
